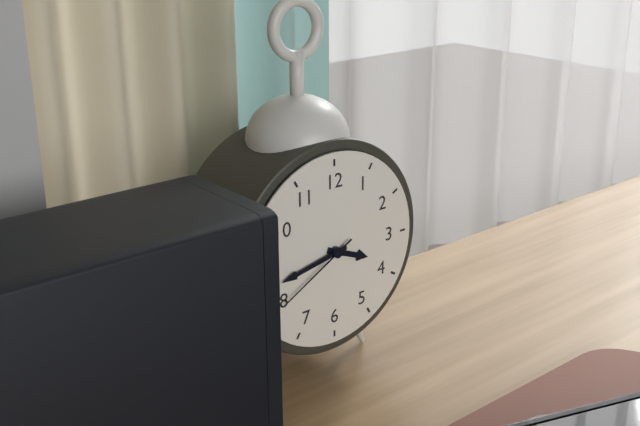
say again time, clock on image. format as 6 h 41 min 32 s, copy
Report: 3 h 43 min 40 s
